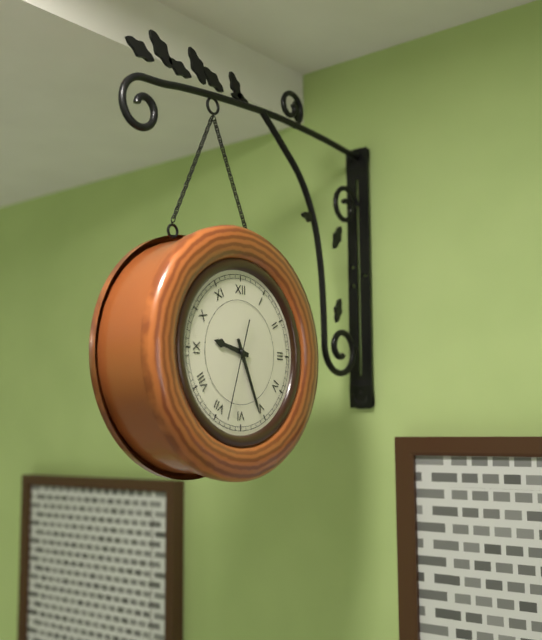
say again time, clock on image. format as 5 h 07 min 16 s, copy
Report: 9 h 26 min 33 s
